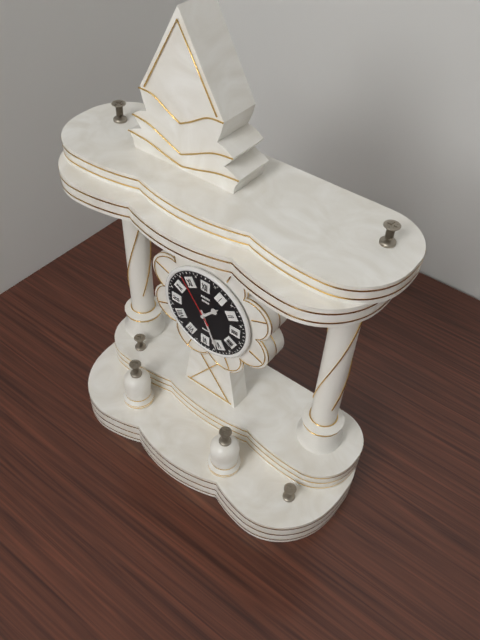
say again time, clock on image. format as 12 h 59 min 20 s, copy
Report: 1 h 26 min 54 s
